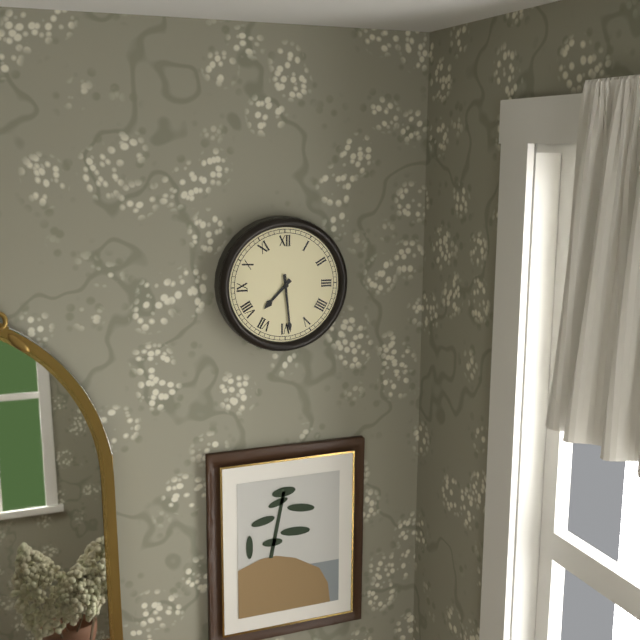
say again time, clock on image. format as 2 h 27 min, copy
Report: 7 h 29 min
